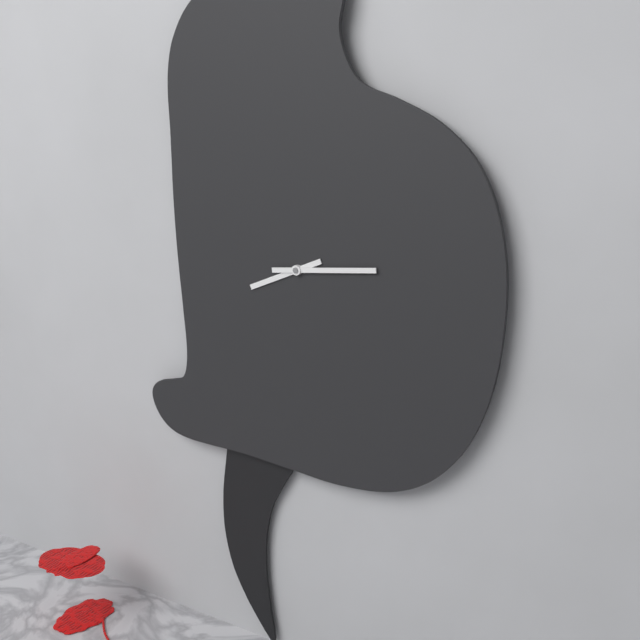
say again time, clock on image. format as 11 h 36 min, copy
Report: 8 h 14 min
